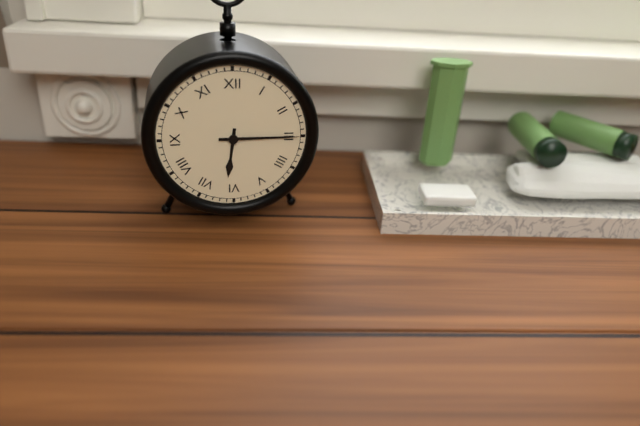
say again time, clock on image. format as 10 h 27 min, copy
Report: 6 h 15 min
